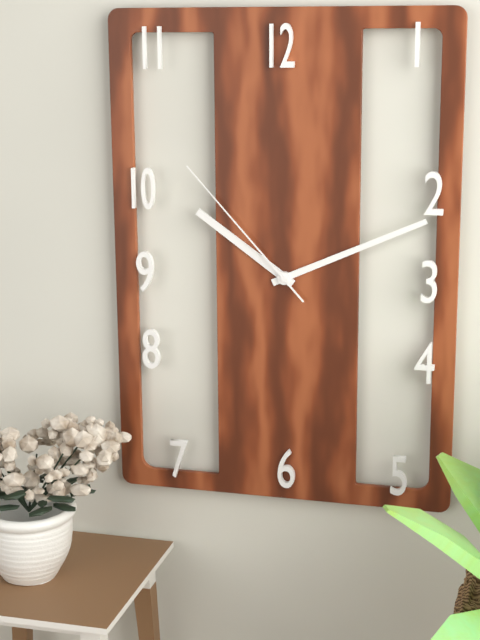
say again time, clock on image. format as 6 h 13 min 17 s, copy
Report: 10 h 11 min 53 s
